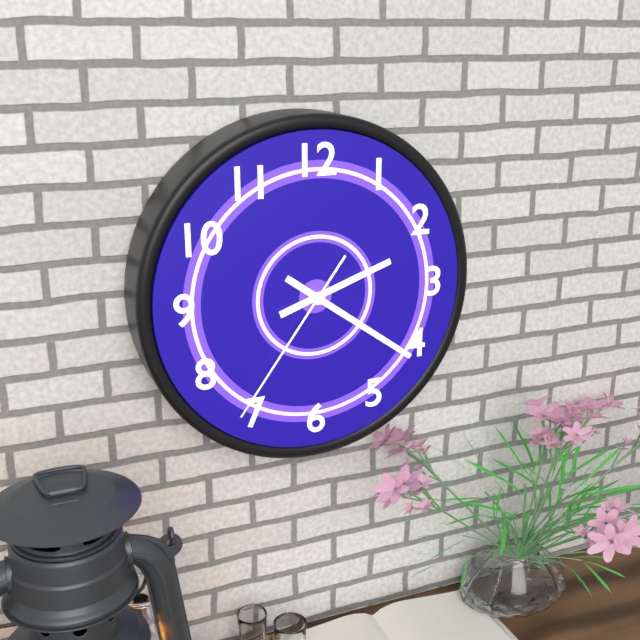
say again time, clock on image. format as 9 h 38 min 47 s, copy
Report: 2 h 21 min 36 s
